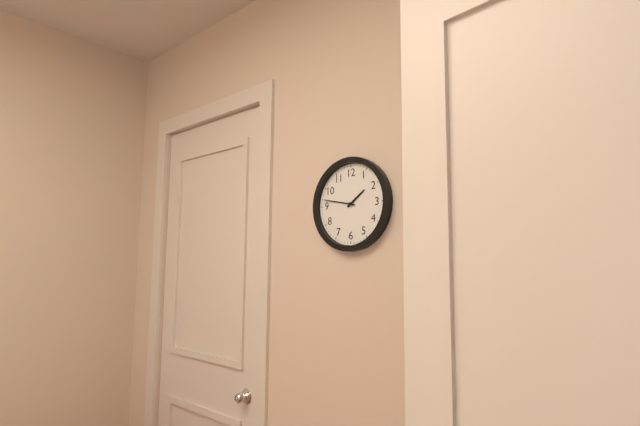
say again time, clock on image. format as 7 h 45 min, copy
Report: 1 h 47 min
